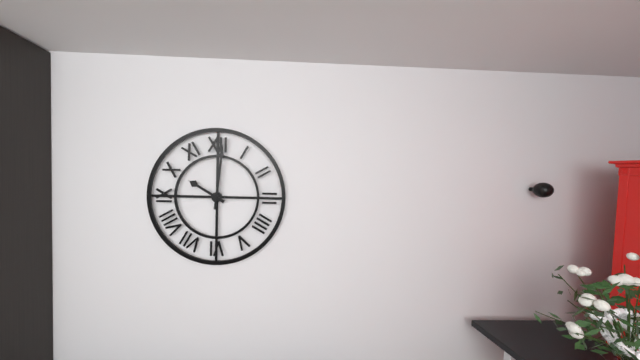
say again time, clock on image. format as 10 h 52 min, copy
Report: 10 h 01 min
